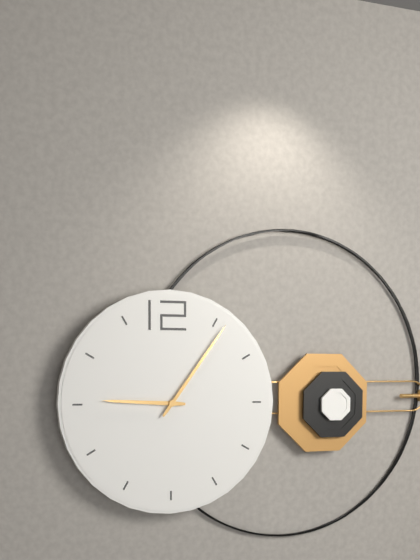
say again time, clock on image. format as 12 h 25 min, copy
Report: 9 h 06 min
